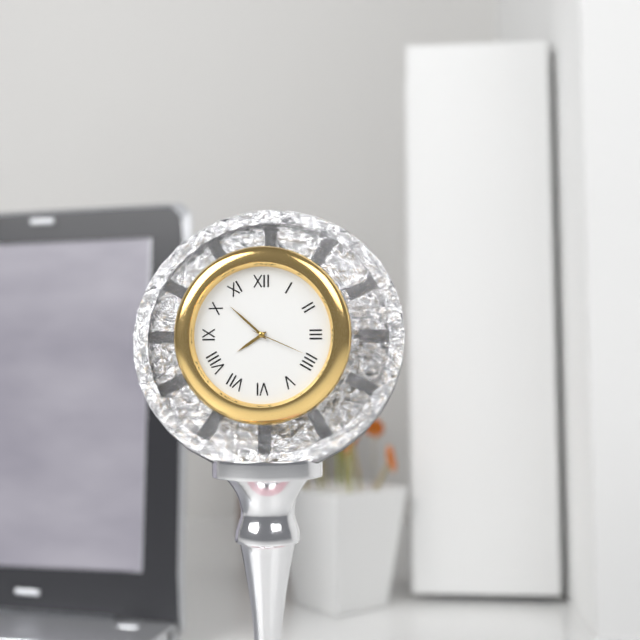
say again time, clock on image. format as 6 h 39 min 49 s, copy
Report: 7 h 52 min 19 s
